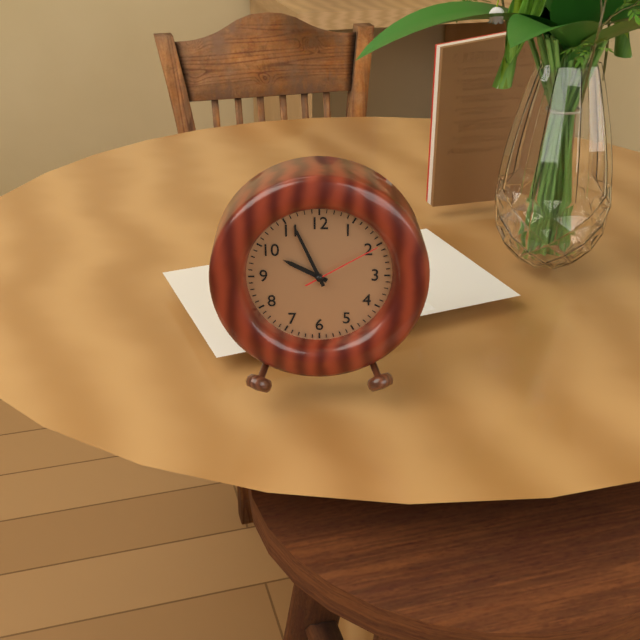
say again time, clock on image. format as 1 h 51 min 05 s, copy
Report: 9 h 56 min 10 s
